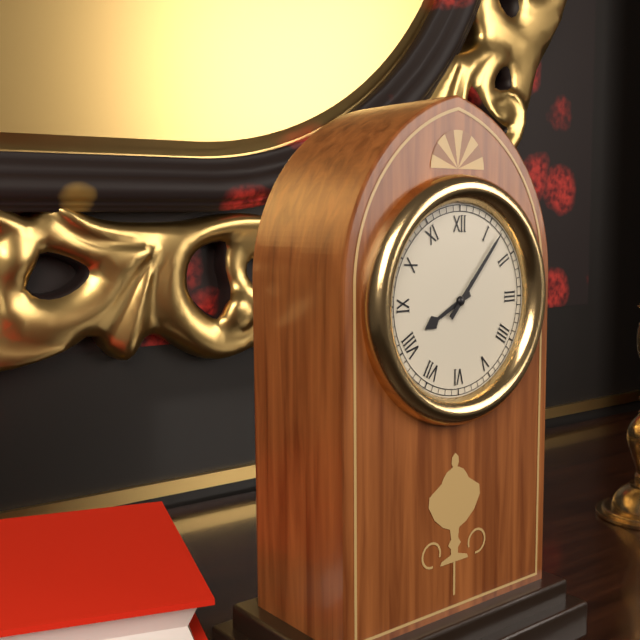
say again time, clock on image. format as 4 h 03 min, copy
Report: 8 h 07 min
